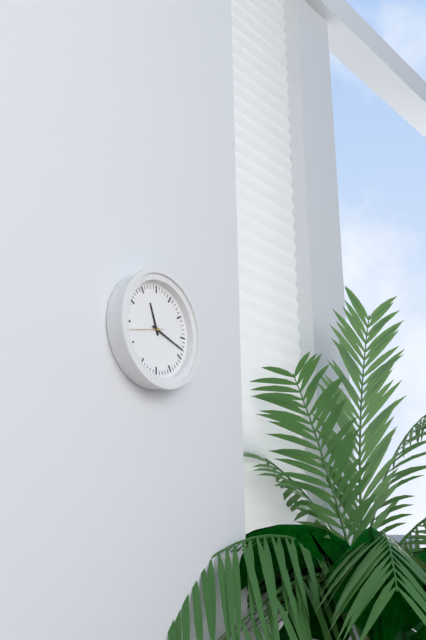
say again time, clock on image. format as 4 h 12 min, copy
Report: 11 h 18 min
